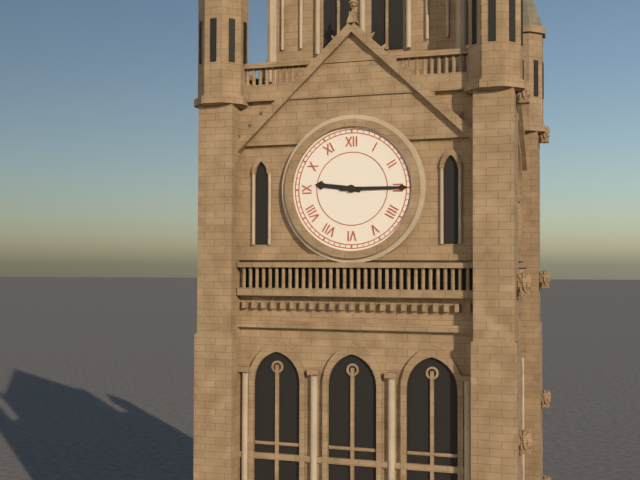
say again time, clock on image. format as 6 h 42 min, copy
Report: 9 h 15 min
